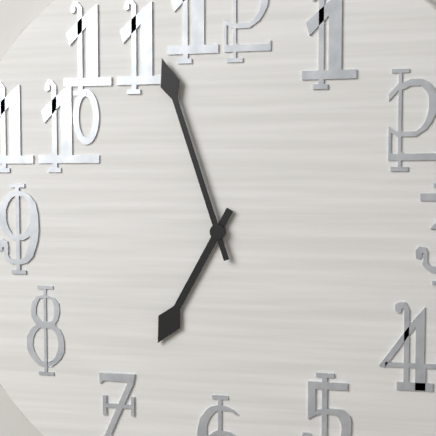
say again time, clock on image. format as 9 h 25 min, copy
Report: 6 h 57 min
